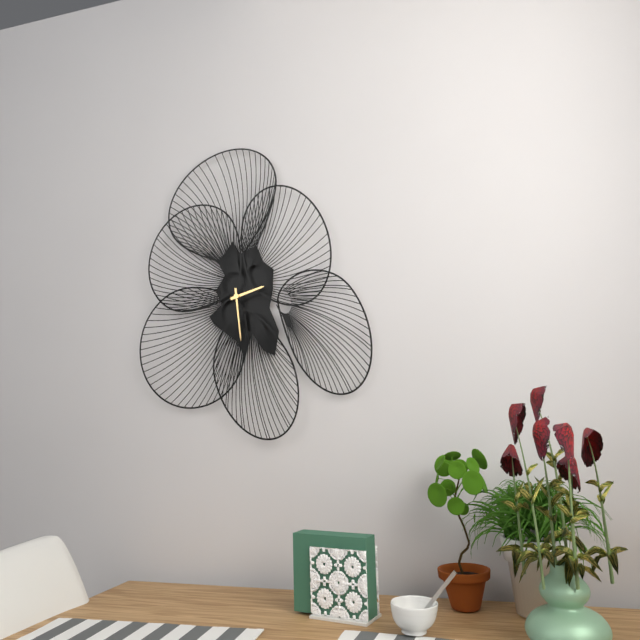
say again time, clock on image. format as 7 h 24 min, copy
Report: 2 h 29 min
